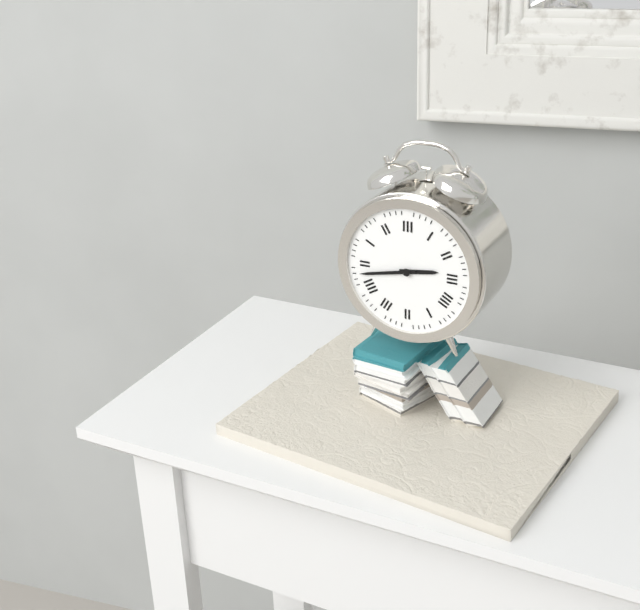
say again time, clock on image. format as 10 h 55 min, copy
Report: 2 h 43 min
